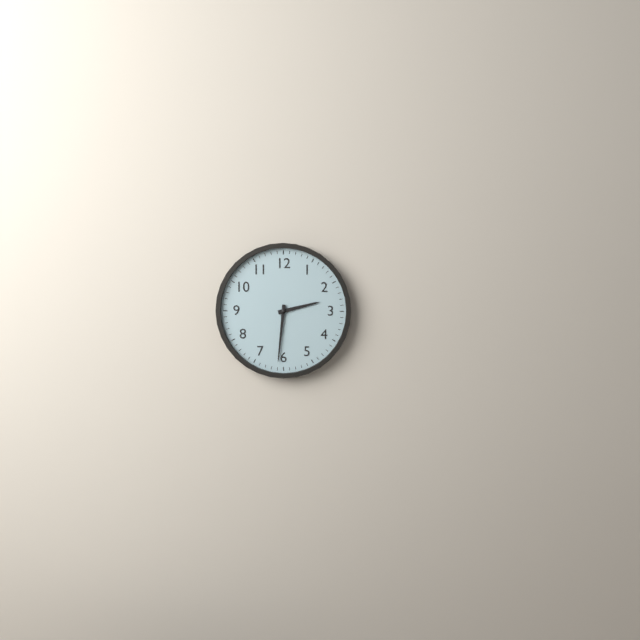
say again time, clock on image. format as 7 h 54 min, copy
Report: 2 h 31 min
